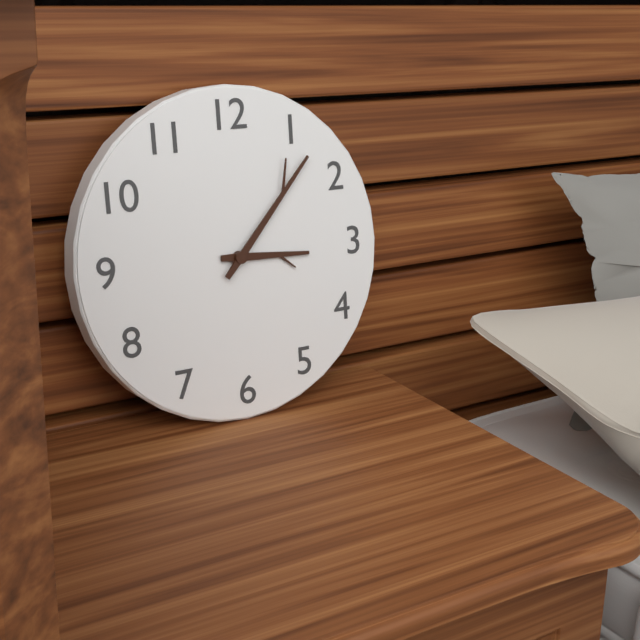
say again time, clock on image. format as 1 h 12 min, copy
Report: 3 h 07 min
